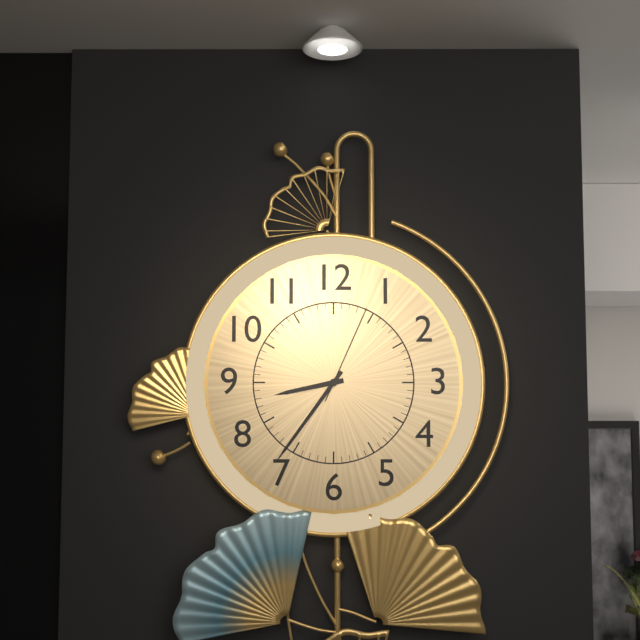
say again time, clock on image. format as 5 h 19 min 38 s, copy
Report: 8 h 36 min 04 s
